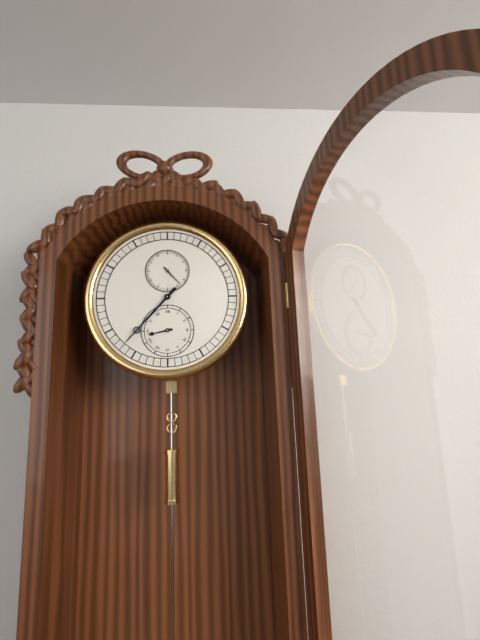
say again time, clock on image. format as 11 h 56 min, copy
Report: 8 h 37 min
